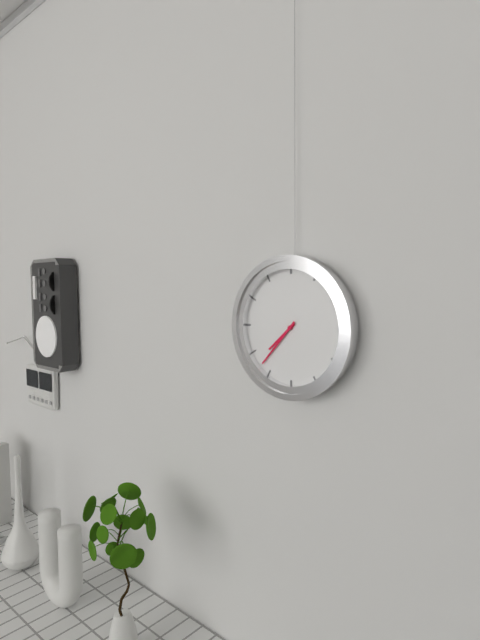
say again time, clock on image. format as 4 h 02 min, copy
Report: 7 h 37 min
